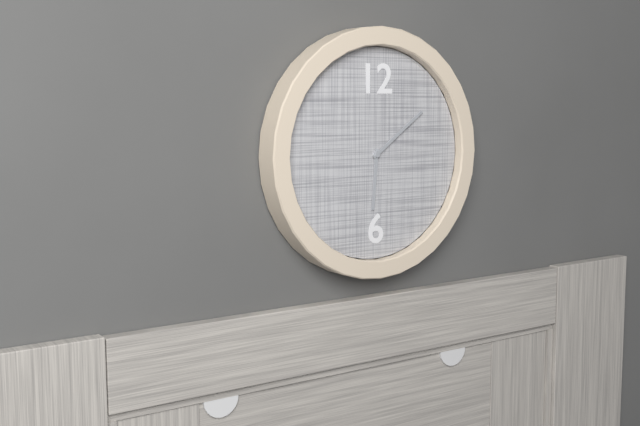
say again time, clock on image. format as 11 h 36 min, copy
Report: 6 h 09 min
